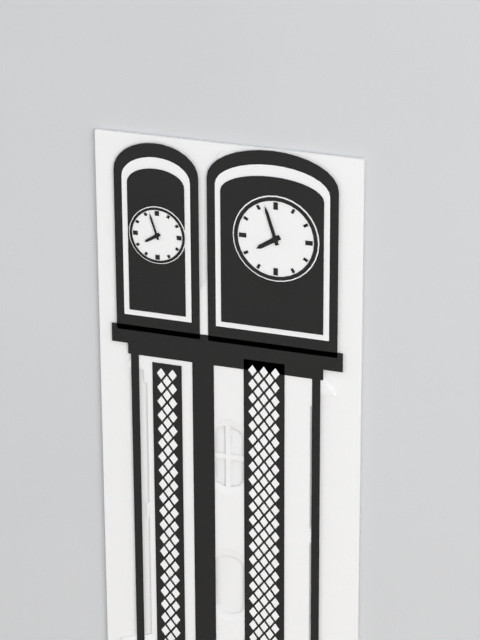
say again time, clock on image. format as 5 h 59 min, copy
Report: 7 h 57 min
